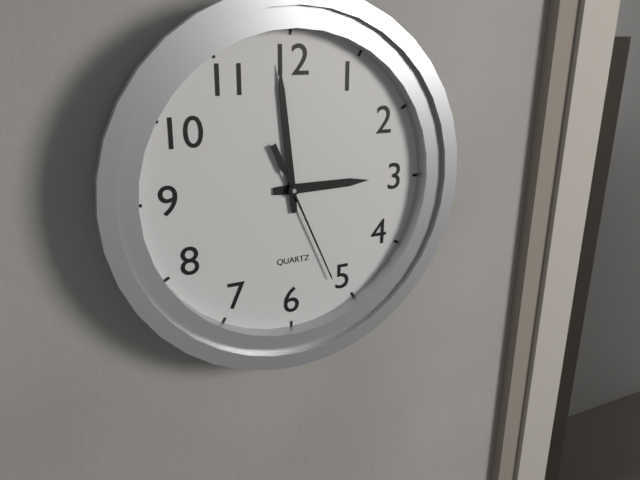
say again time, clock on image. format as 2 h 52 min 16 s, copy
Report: 2 h 59 min 26 s
